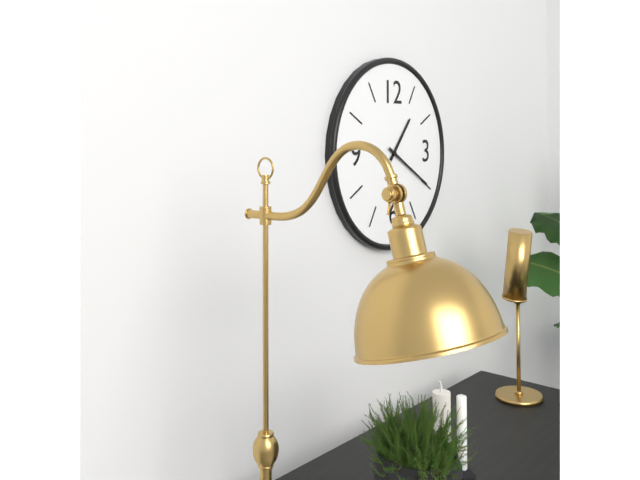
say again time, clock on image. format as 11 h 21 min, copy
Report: 1 h 20 min
